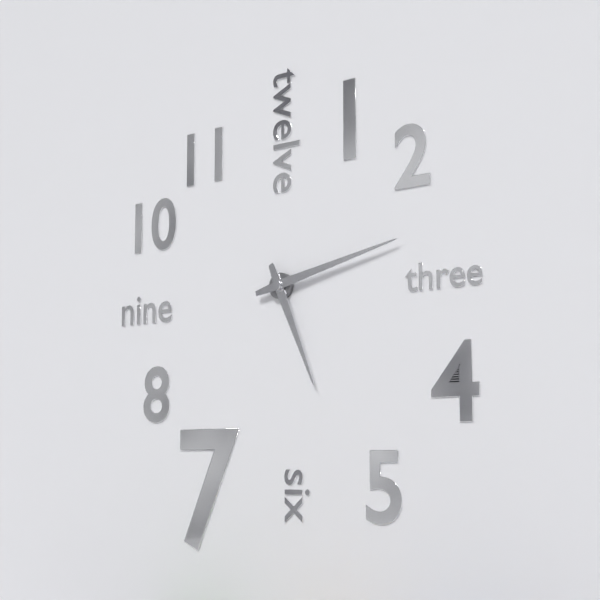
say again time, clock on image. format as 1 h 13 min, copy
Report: 5 h 13 min
